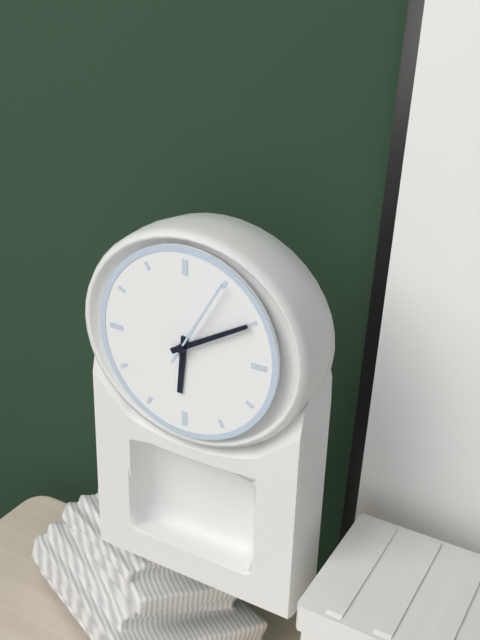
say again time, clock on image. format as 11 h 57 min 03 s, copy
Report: 6 h 10 min 05 s
